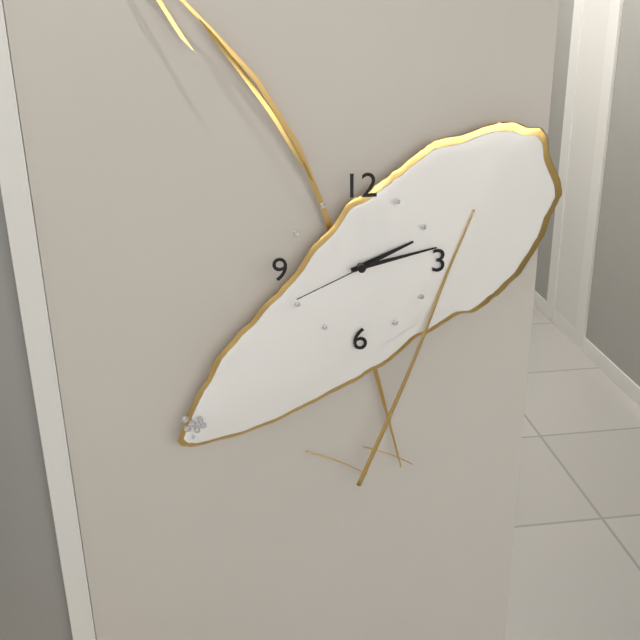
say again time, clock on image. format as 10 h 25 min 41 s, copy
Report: 2 h 13 min 41 s
